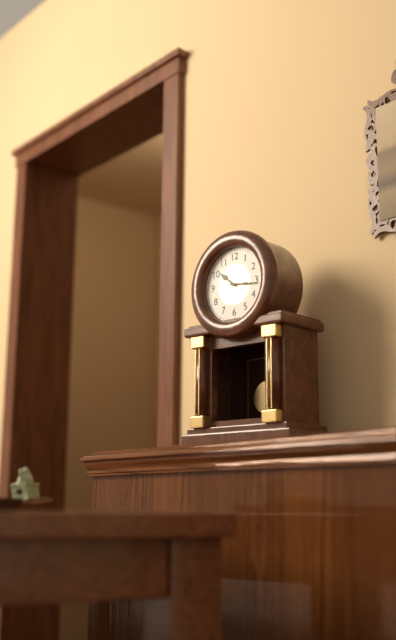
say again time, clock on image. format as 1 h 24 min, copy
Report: 10 h 16 min
